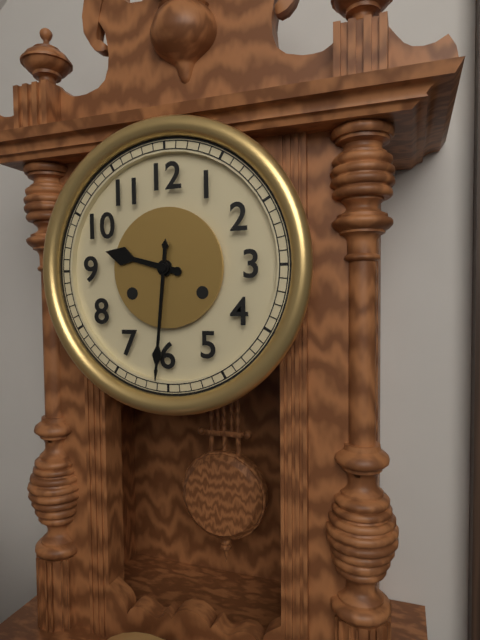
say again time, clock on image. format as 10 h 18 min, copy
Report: 9 h 31 min
